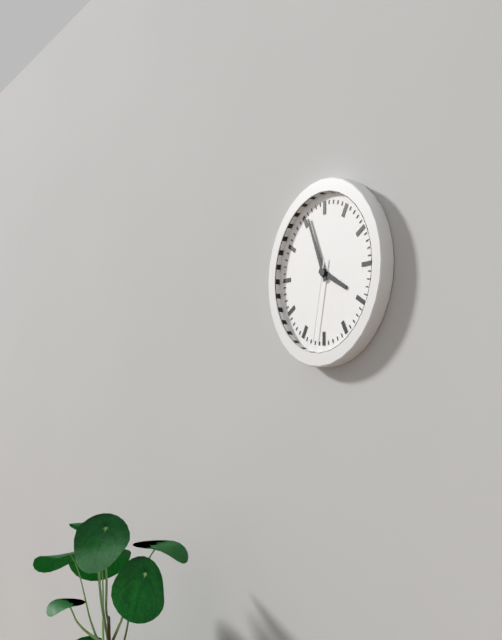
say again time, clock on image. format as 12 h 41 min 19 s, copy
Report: 3 h 56 min 32 s
